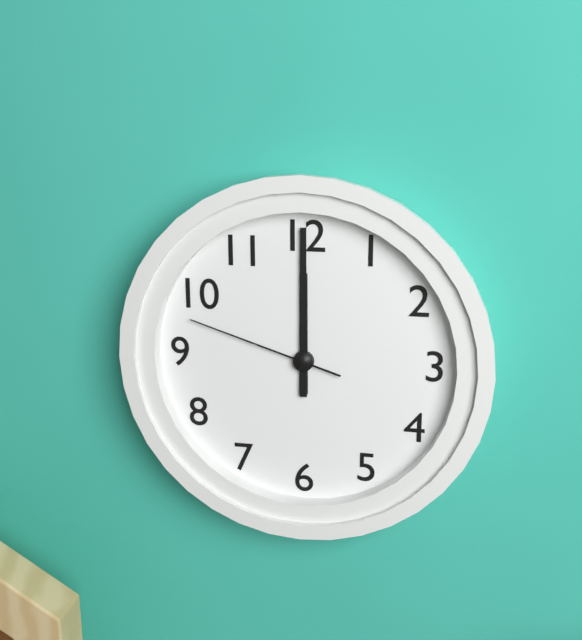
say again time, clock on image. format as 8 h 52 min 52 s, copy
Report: 12 h 00 min 48 s
